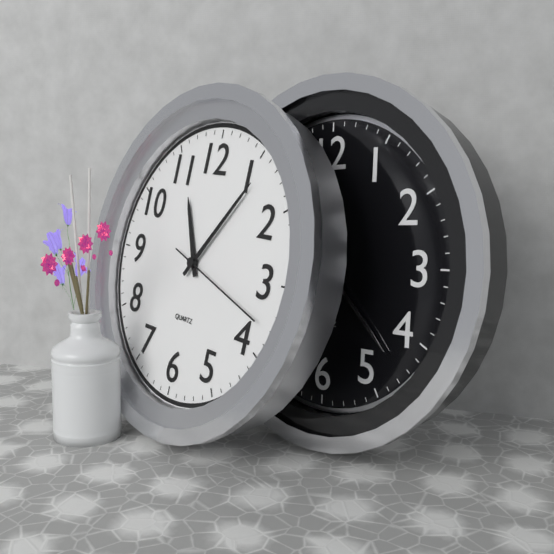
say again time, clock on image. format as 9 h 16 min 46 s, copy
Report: 11 h 06 min 18 s
